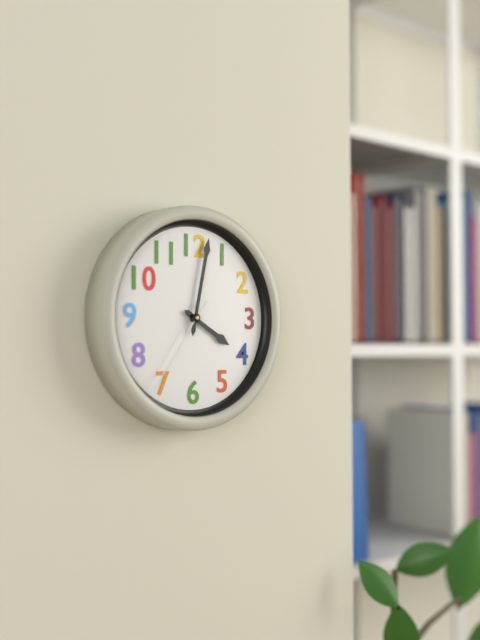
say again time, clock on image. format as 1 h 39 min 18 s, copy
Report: 4 h 02 min 36 s
